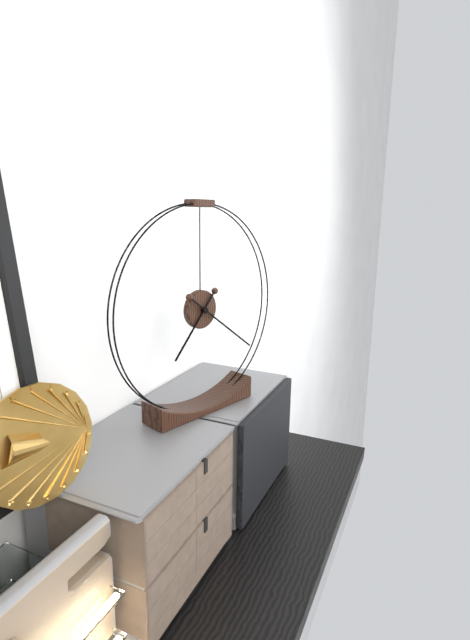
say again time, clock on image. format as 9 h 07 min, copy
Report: 7 h 21 min
